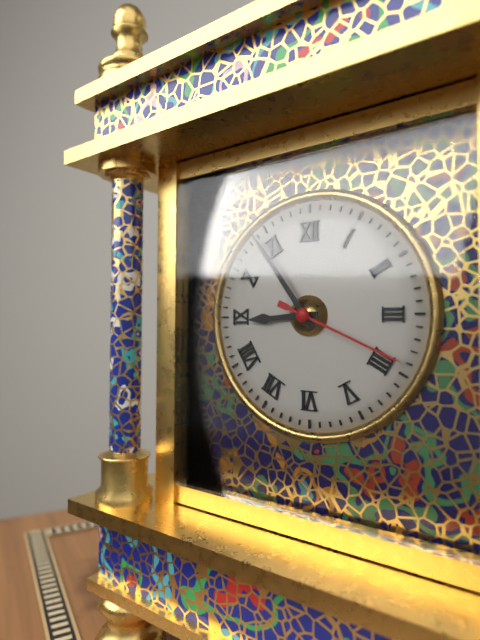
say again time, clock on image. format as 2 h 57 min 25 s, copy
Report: 8 h 54 min 19 s
